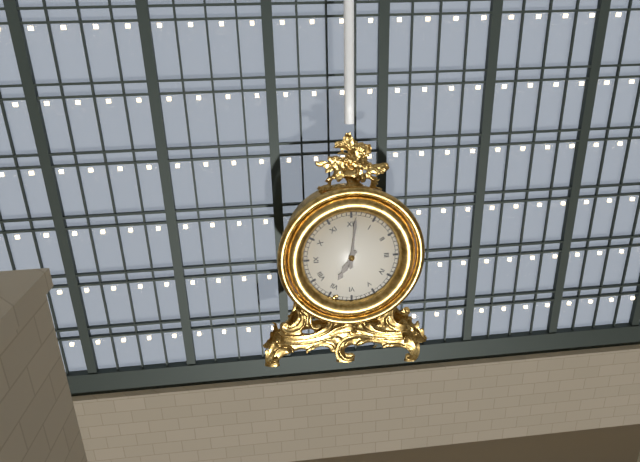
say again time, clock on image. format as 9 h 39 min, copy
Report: 7 h 01 min
